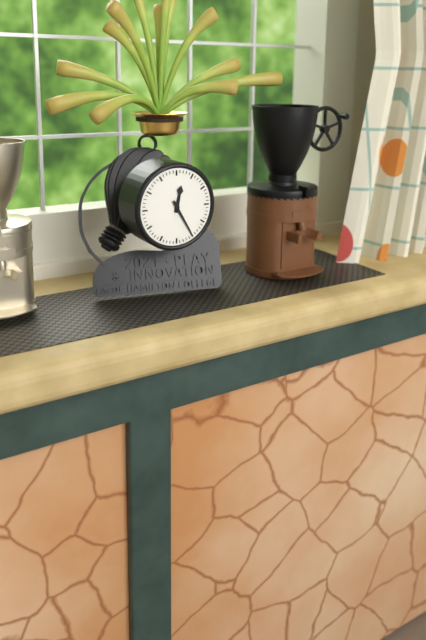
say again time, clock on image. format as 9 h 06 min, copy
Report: 12 h 25 min
